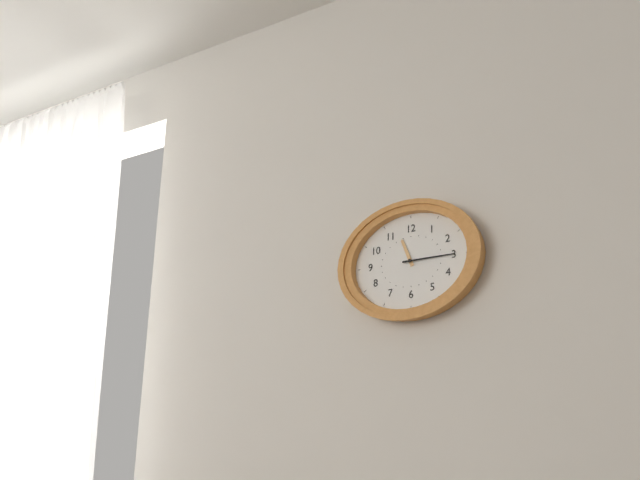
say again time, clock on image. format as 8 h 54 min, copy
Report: 11 h 15 min
